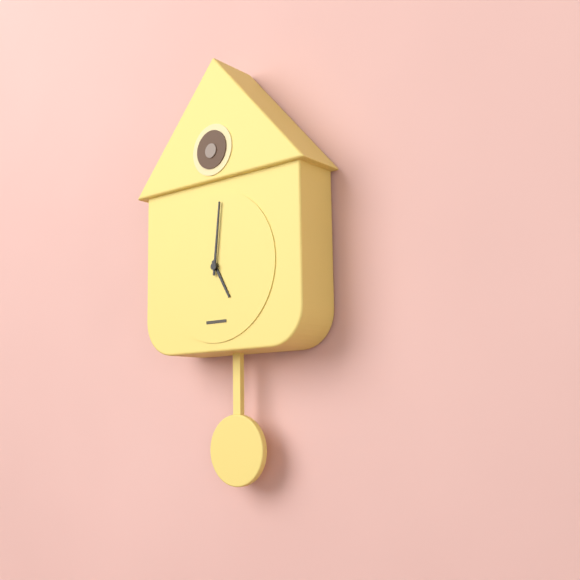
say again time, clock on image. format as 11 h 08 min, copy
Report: 5 h 01 min
